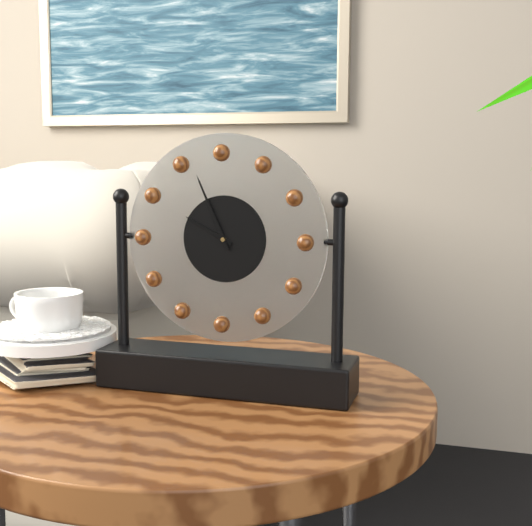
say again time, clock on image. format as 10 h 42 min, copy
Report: 9 h 56 min
